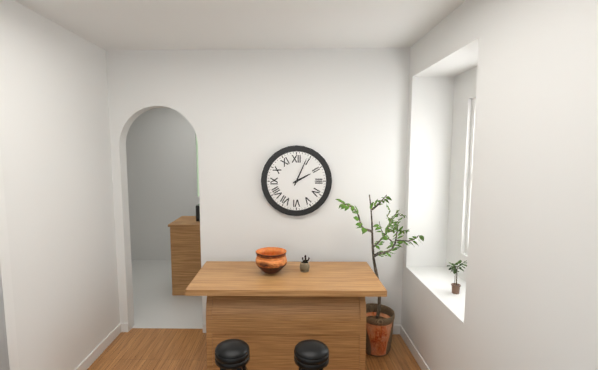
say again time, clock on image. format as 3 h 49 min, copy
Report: 2 h 04 min
